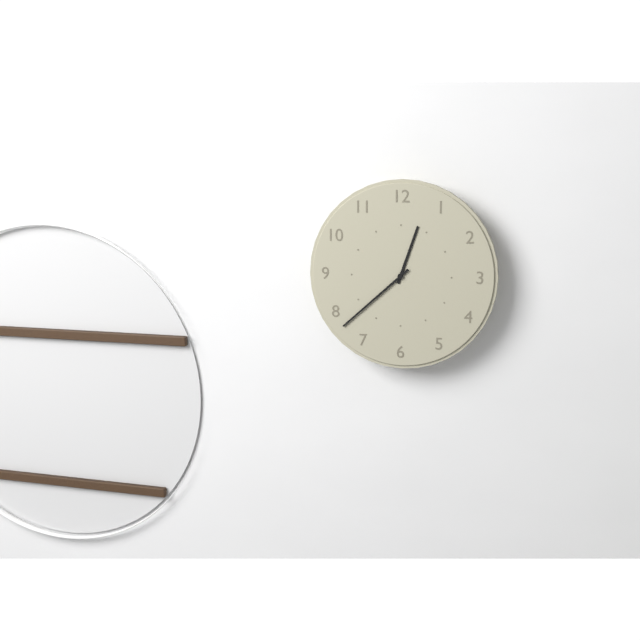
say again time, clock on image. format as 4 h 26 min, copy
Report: 12 h 38 min
